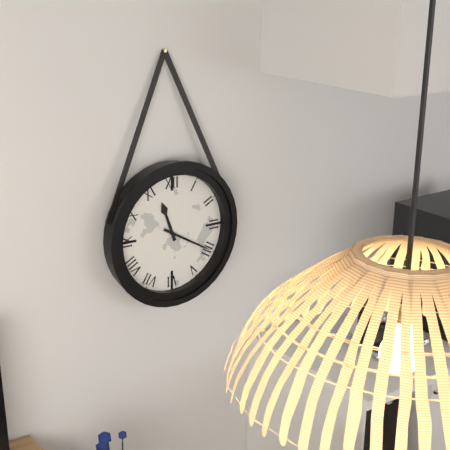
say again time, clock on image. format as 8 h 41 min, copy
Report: 11 h 20 min
